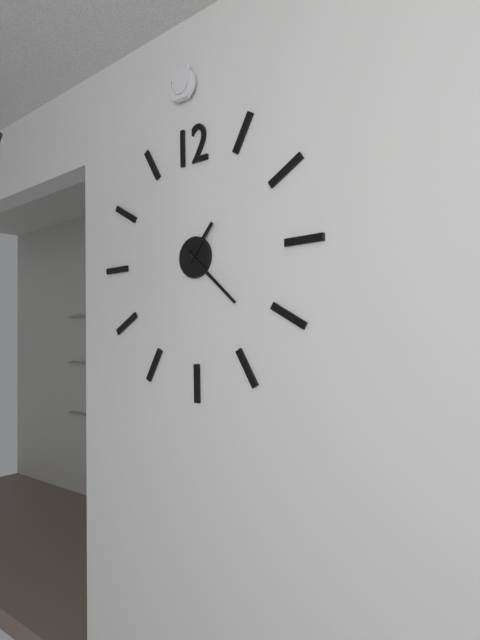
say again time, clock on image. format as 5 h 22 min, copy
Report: 1 h 22 min
